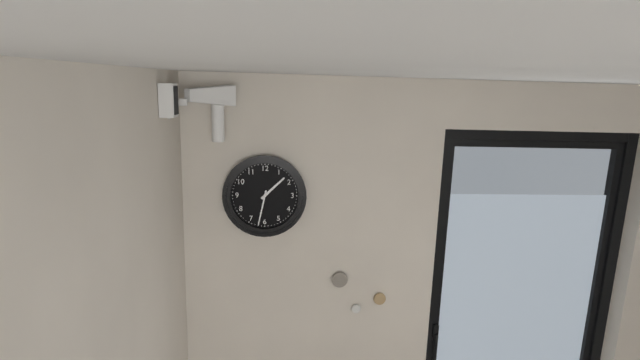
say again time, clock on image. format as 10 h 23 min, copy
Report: 1 h 32 min
